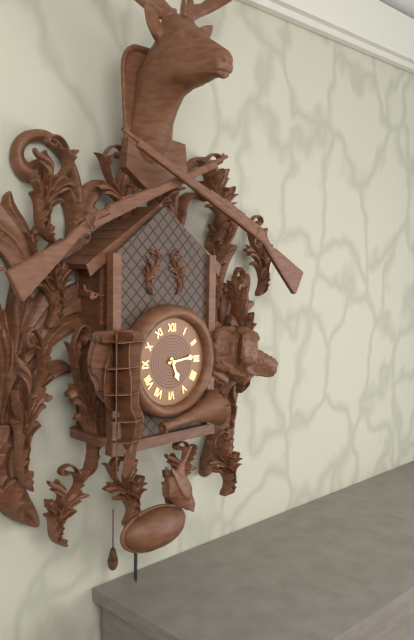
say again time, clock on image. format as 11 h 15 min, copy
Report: 5 h 14 min
